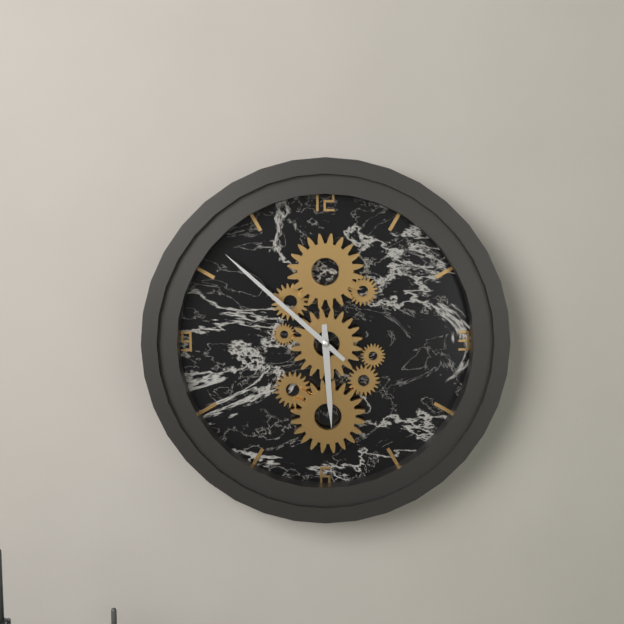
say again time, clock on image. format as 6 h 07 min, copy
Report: 5 h 52 min
